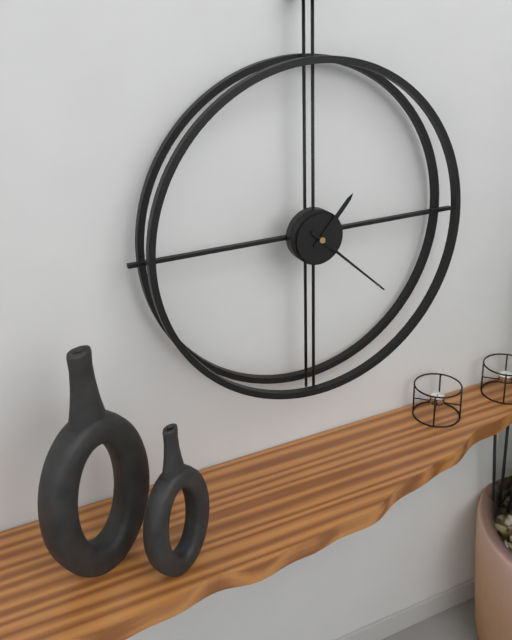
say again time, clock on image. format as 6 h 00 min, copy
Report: 1 h 22 min
